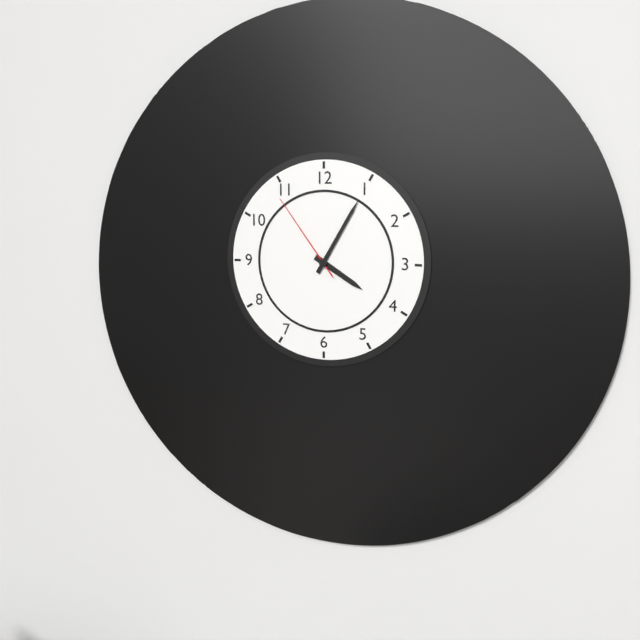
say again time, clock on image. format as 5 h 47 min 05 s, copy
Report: 4 h 05 min 54 s
